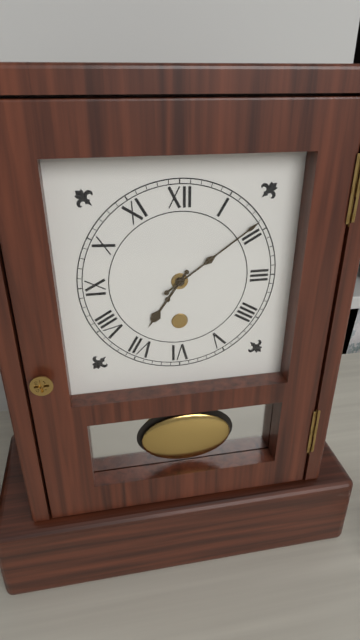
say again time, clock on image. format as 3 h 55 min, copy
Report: 7 h 09 min
